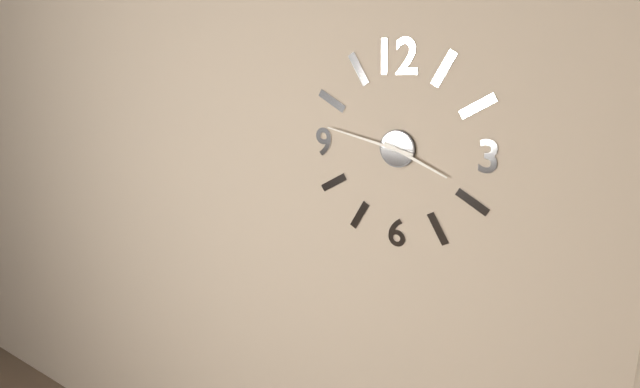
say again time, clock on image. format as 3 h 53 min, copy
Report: 3 h 47 min
